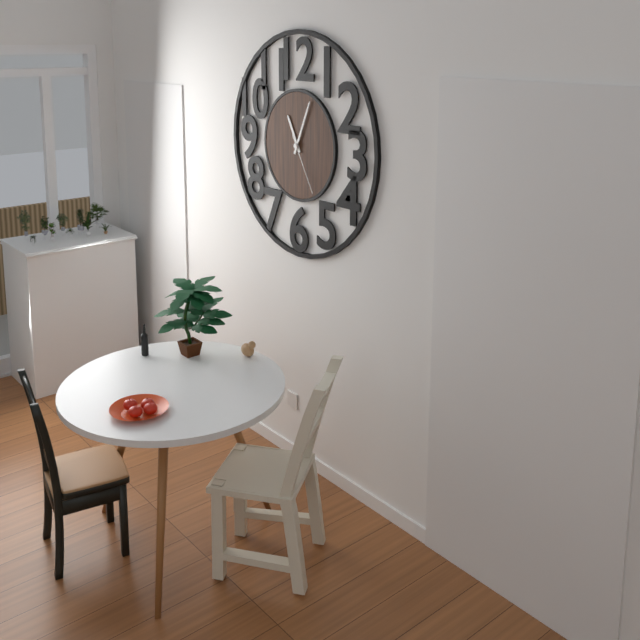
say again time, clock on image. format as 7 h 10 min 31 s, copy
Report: 11 h 04 min 25 s
